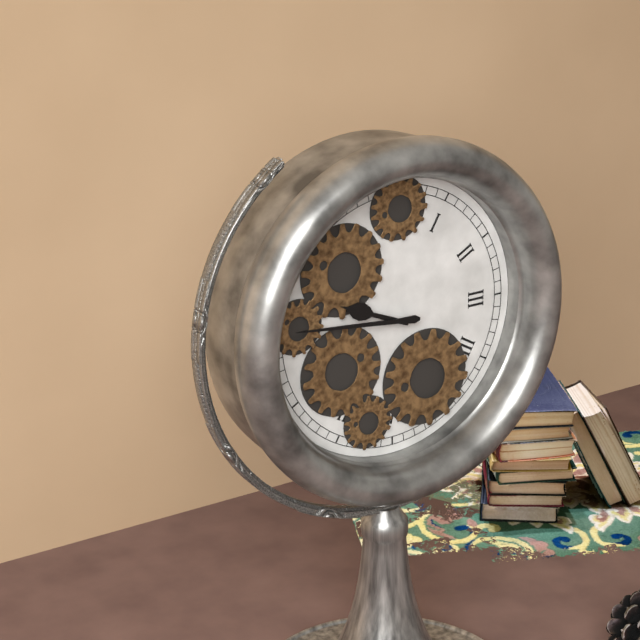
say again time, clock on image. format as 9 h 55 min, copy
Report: 9 h 46 min
